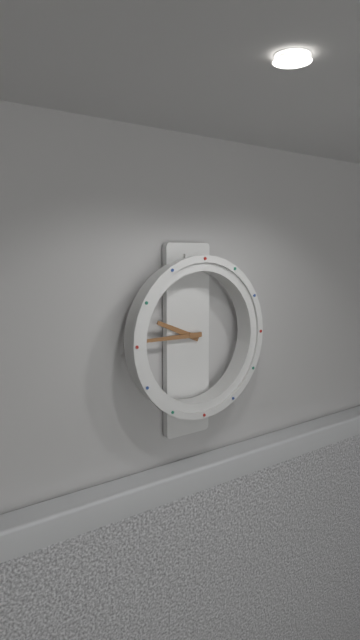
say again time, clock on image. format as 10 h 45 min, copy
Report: 9 h 45 min
